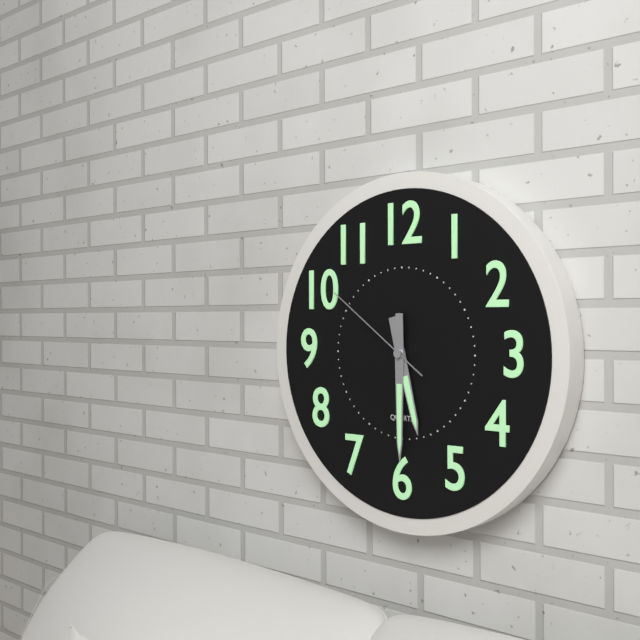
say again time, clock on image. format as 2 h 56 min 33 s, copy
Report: 5 h 30 min 51 s
